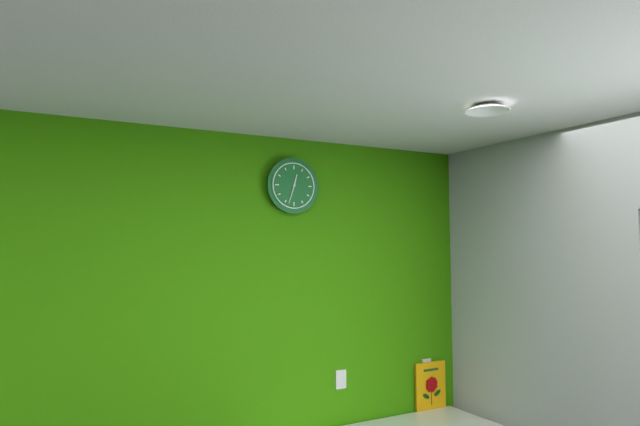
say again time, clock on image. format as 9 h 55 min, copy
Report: 12 h 33 min
